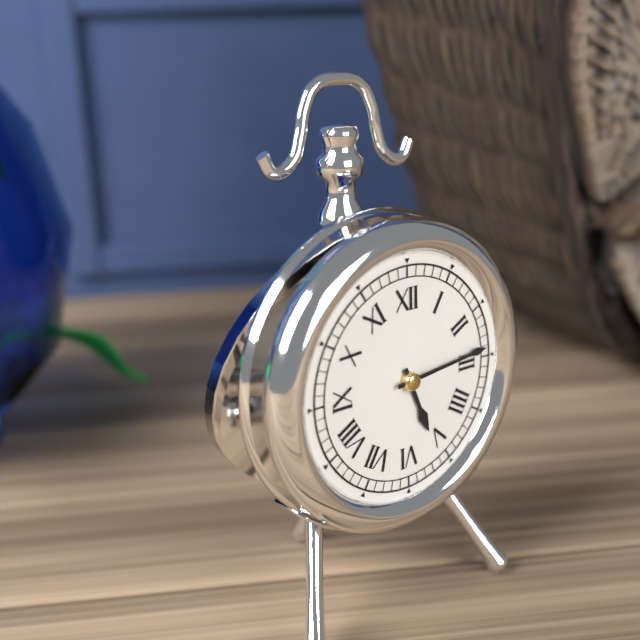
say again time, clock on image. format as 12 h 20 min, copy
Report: 5 h 14 min
